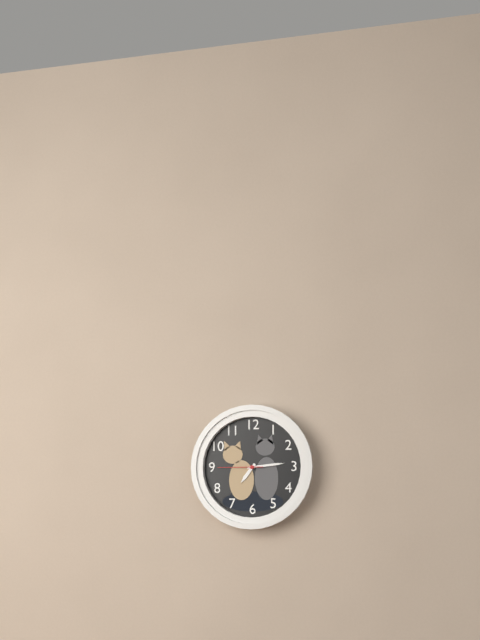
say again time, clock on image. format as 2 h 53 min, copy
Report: 7 h 14 min
